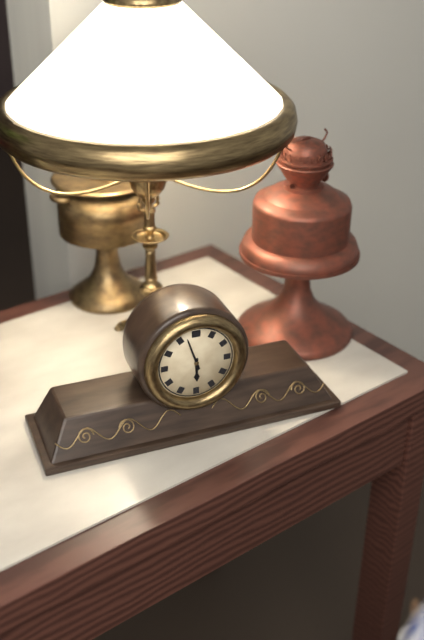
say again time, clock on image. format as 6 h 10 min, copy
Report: 5 h 57 min
